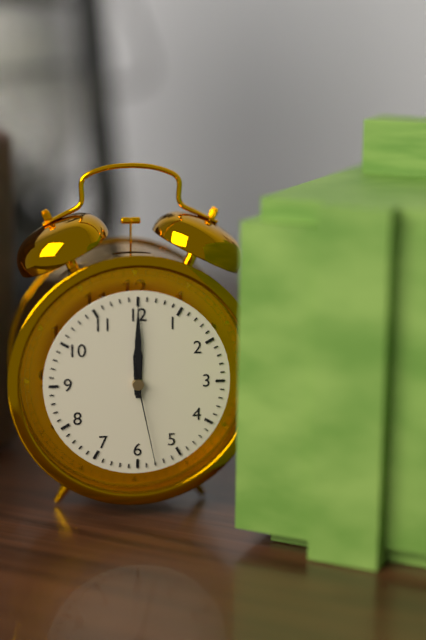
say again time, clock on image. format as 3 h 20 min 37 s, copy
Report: 12 h 00 min 28 s
